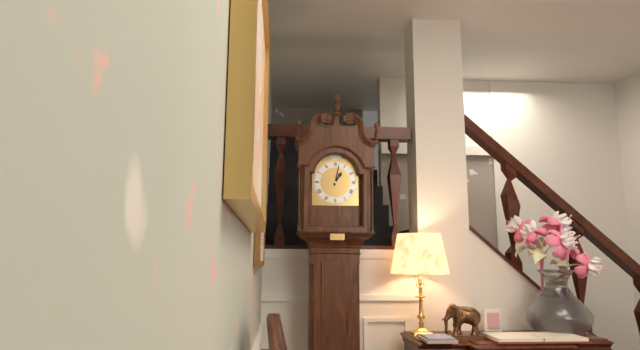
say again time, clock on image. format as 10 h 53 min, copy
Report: 1 h 02 min
